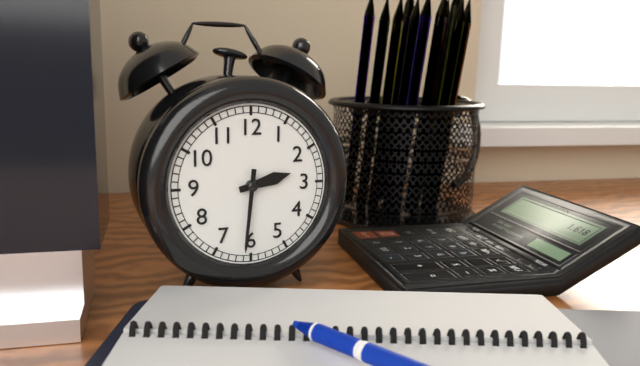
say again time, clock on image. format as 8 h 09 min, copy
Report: 2 h 31 min
